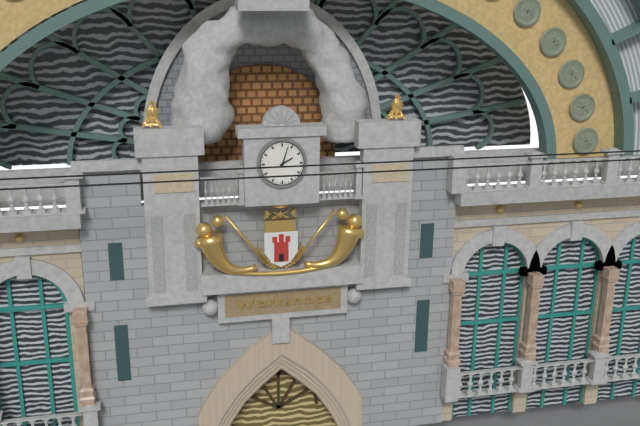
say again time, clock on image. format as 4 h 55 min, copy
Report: 2 h 03 min
